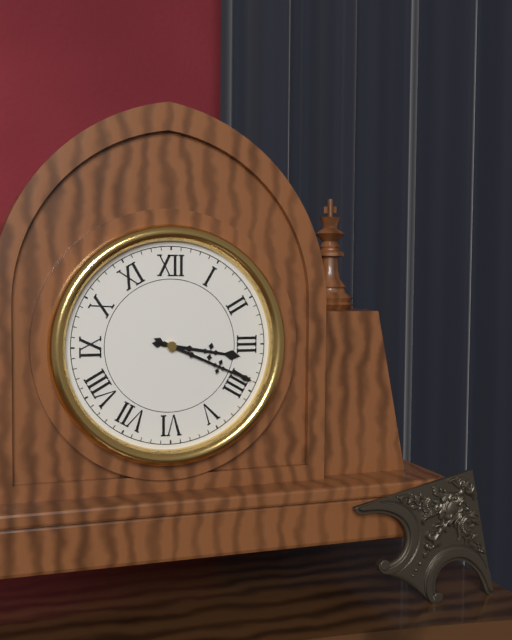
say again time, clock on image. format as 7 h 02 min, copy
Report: 3 h 19 min
